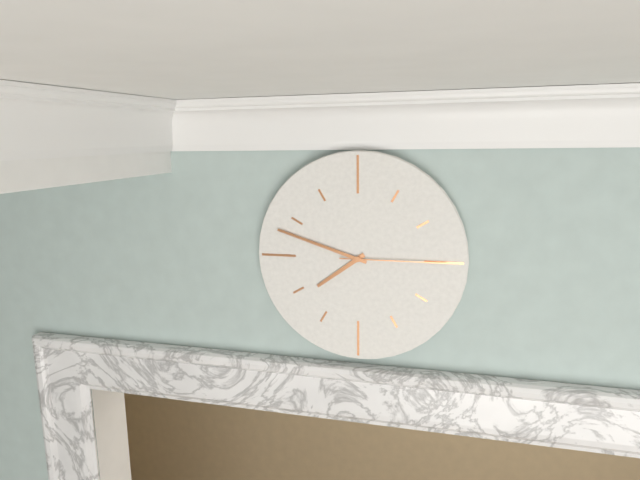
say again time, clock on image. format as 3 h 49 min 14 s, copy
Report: 7 h 48 min 15 s
